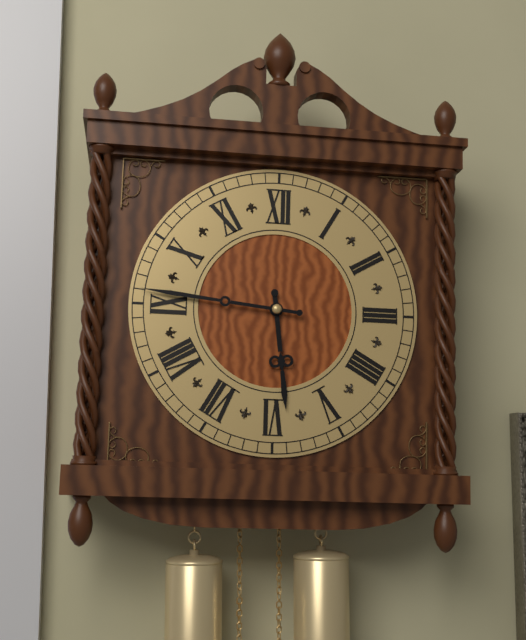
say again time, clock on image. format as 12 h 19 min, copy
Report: 5 h 46 min
